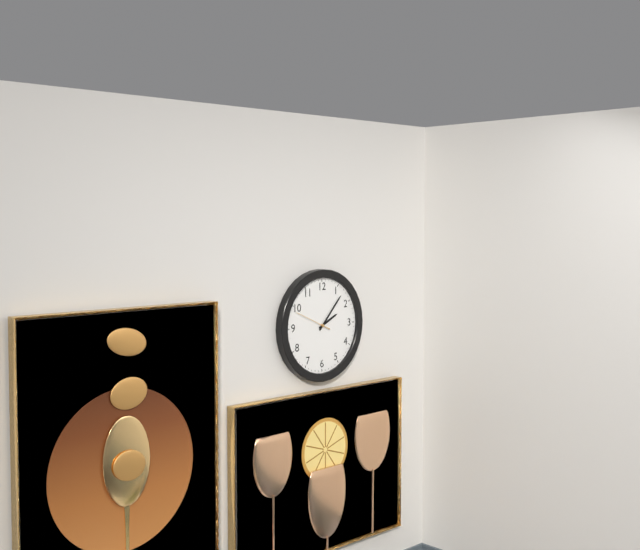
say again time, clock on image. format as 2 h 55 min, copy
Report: 2 h 07 min
